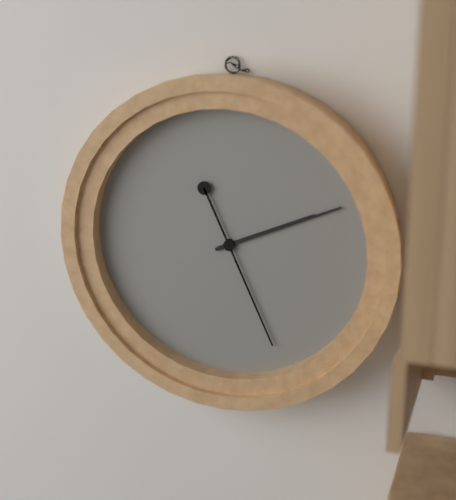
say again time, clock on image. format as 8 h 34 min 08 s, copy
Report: 2 h 11 min 26 s
